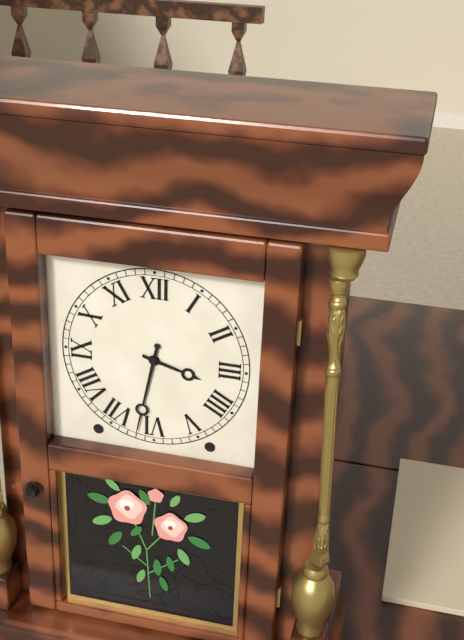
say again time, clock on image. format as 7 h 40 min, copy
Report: 3 h 32 min
